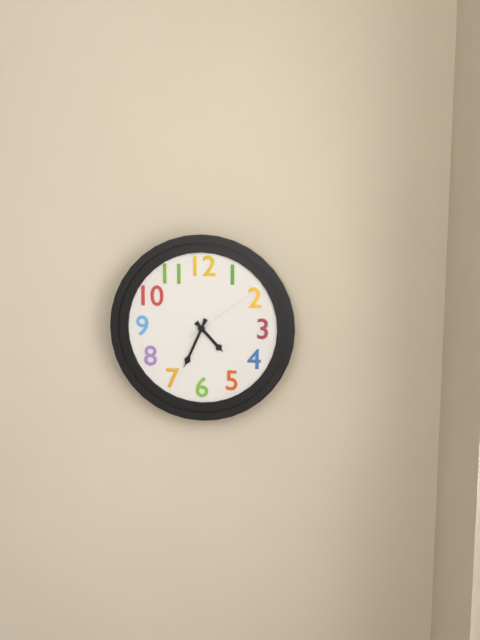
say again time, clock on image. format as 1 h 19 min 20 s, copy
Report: 4 h 34 min 09 s
